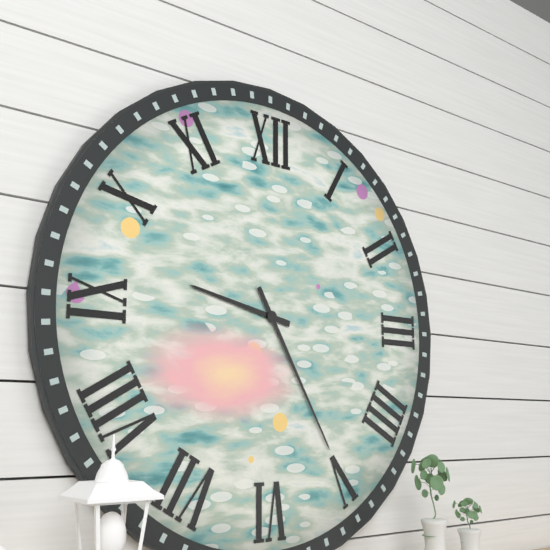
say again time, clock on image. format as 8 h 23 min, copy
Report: 9 h 25 min
